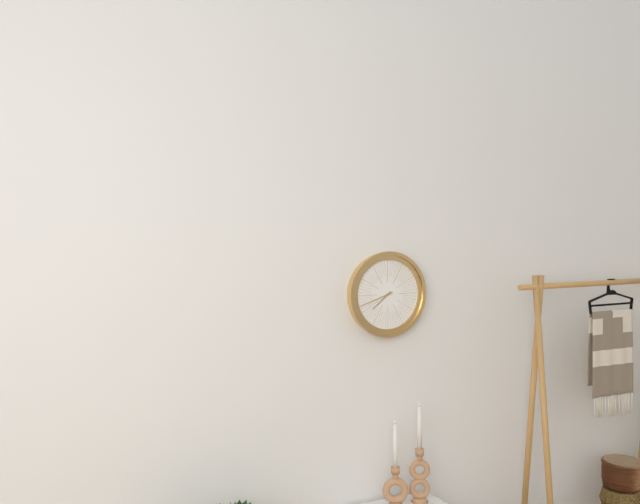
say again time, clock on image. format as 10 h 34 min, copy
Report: 7 h 42 min
